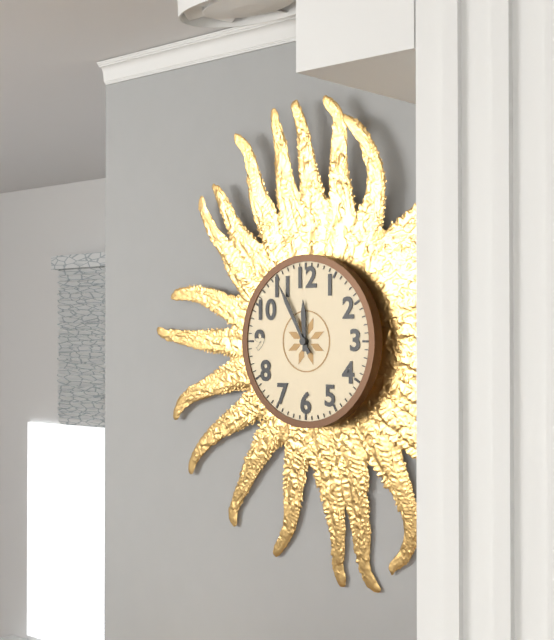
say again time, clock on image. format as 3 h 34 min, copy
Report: 11 h 55 min
